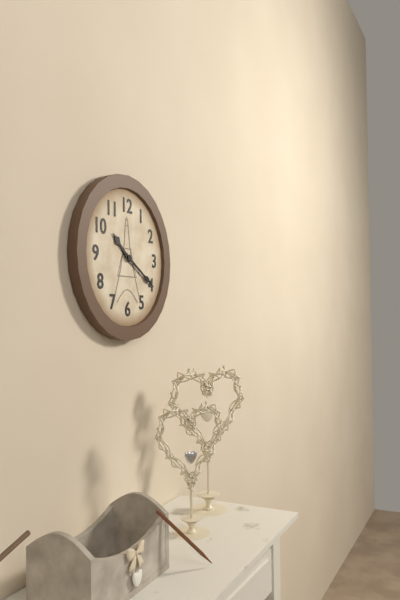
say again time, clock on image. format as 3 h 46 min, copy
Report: 10 h 20 min
